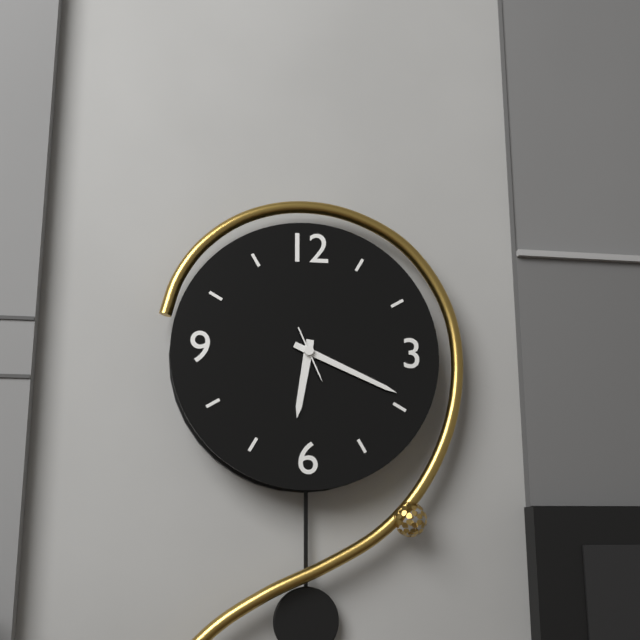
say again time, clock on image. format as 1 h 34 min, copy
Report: 6 h 19 min
